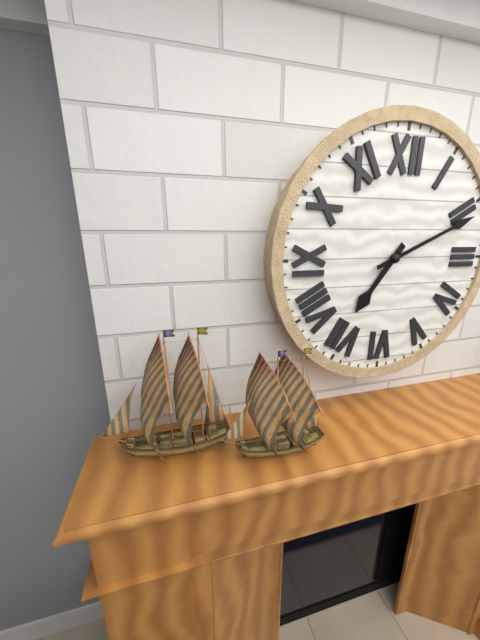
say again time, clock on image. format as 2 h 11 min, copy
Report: 7 h 11 min
